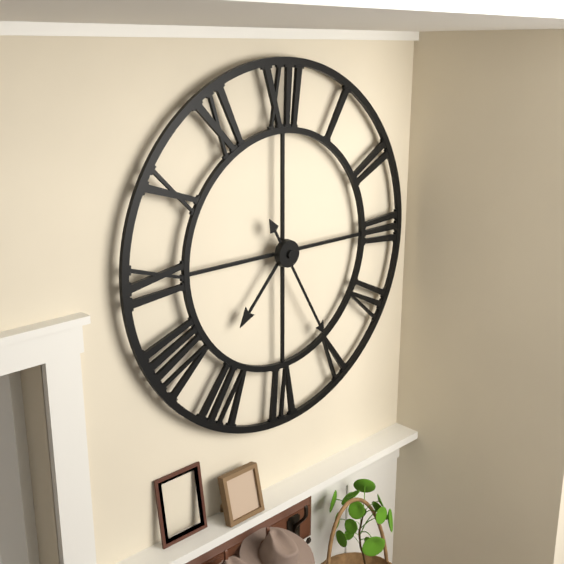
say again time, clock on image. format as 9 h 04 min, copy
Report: 7 h 25 min
